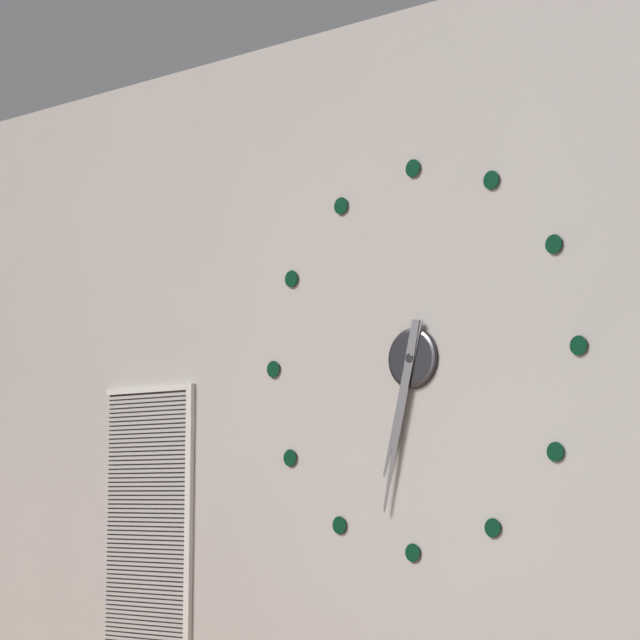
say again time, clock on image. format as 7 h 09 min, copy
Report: 6 h 32 min
